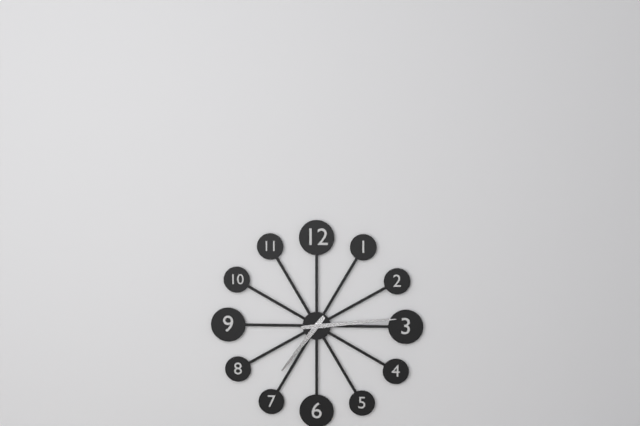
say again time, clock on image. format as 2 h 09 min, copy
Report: 7 h 14 min
